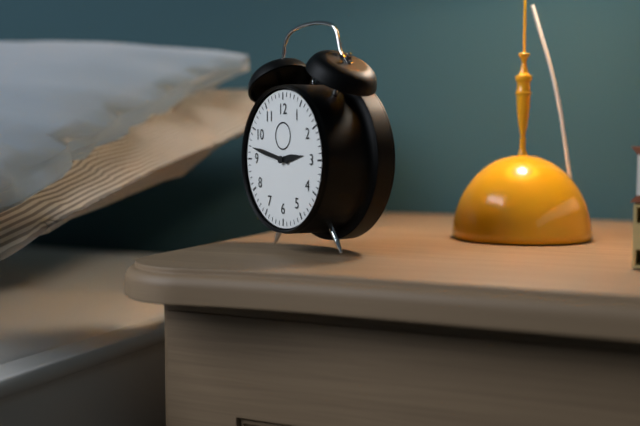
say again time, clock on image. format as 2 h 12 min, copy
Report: 2 h 47 min
